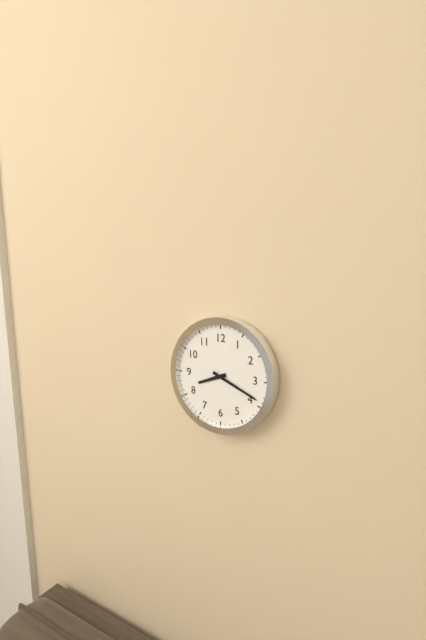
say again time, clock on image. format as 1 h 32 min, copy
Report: 8 h 19 min
